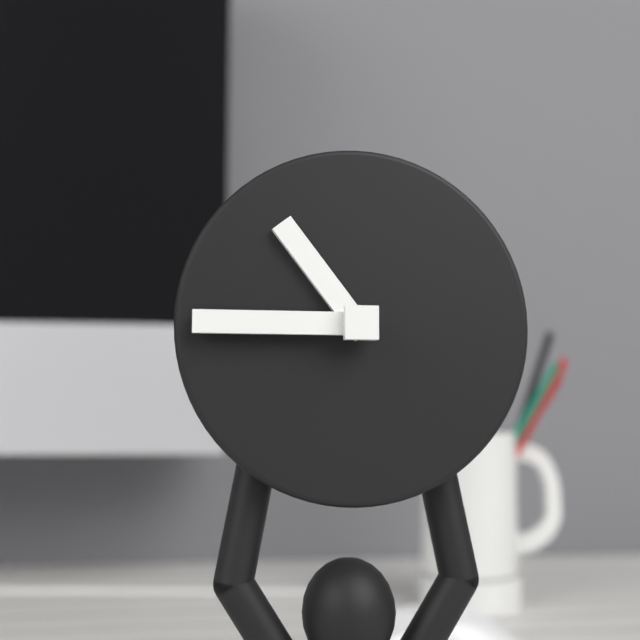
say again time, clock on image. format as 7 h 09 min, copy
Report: 10 h 45 min
